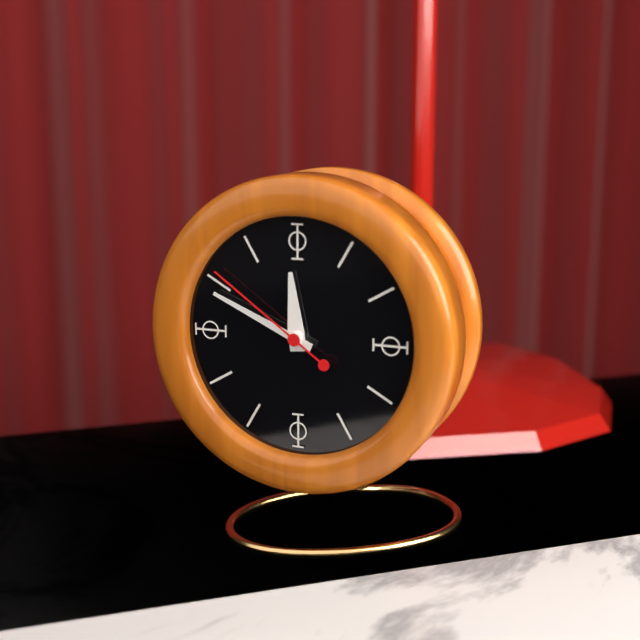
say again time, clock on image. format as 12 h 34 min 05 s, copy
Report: 11 h 49 min 51 s
